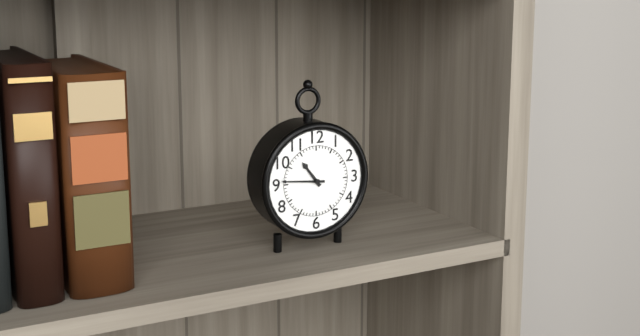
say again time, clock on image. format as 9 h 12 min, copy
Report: 10 h 46 min
